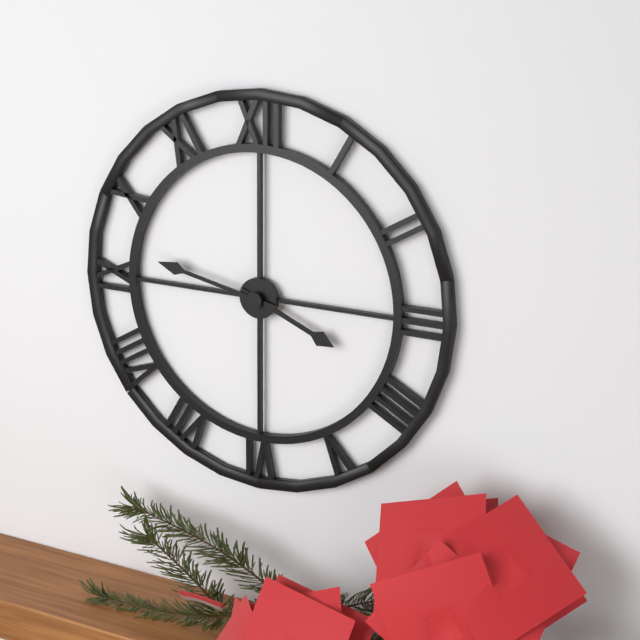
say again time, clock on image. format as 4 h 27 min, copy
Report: 3 h 47 min
